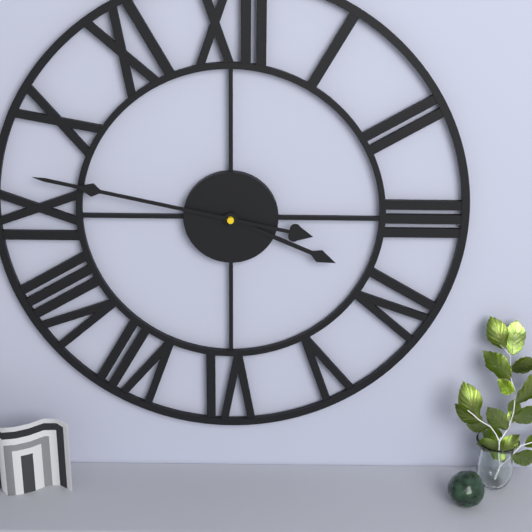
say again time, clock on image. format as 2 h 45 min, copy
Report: 3 h 47 min
